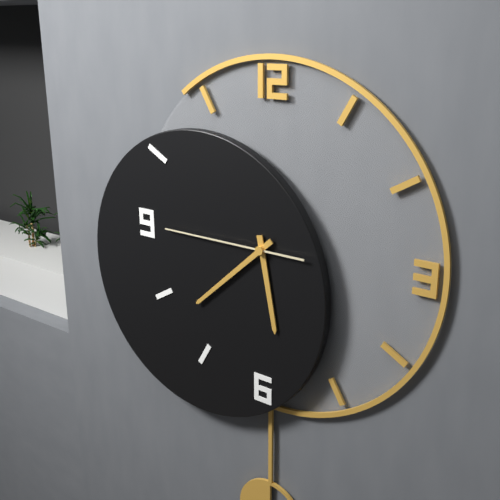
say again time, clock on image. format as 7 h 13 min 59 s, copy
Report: 5 h 38 min 45 s
